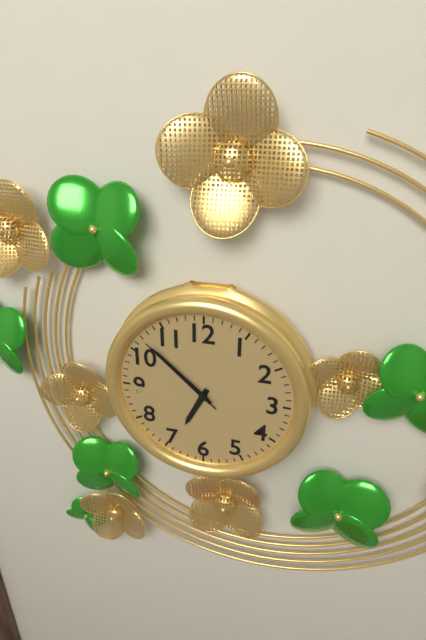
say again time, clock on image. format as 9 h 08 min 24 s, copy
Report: 6 h 52 min 52 s
